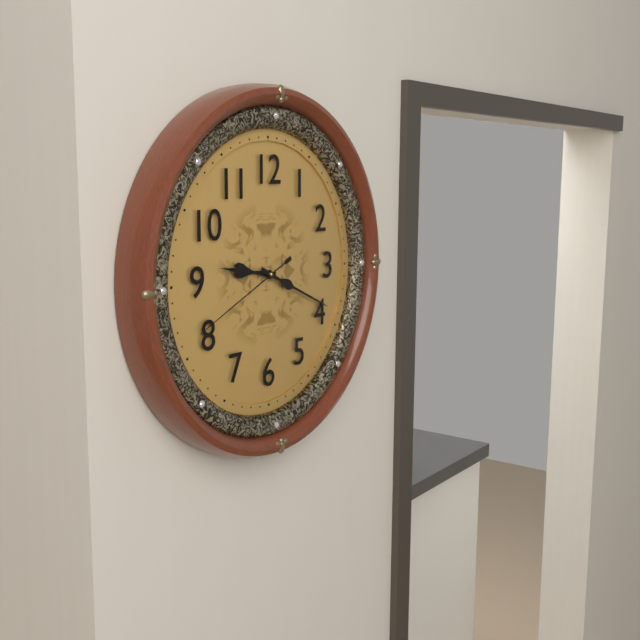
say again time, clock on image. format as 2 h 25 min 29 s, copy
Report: 9 h 19 min 41 s
